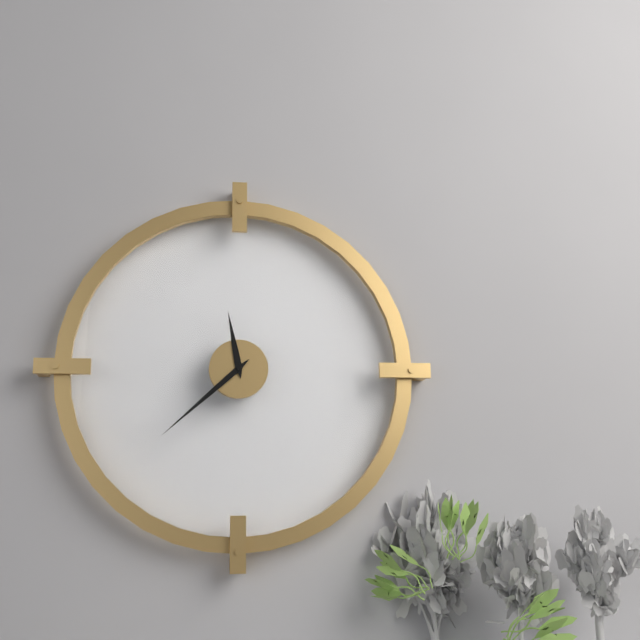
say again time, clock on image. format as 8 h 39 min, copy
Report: 11 h 38 min
